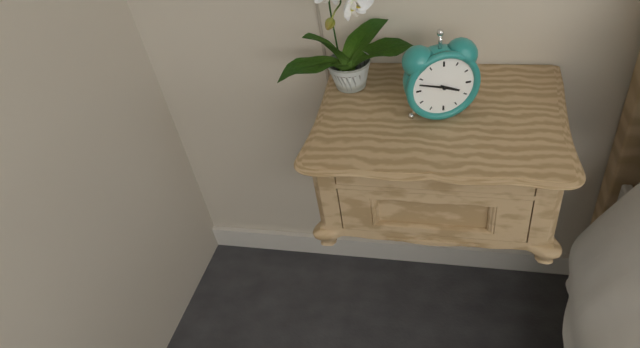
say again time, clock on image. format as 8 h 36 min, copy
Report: 3 h 48 min
